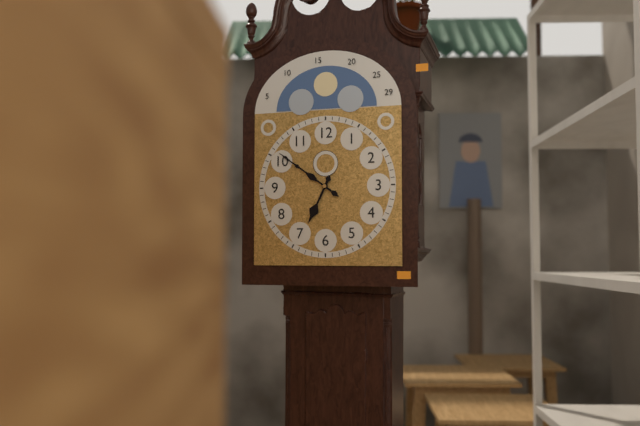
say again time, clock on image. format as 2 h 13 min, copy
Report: 6 h 51 min
